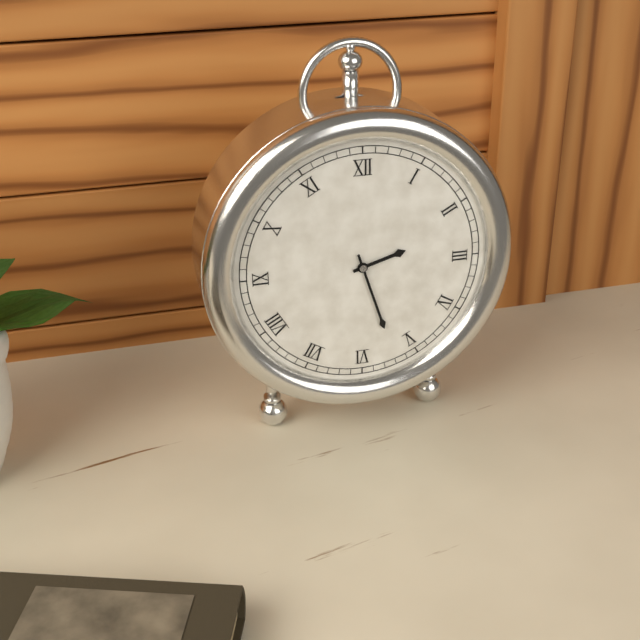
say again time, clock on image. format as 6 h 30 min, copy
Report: 2 h 27 min
